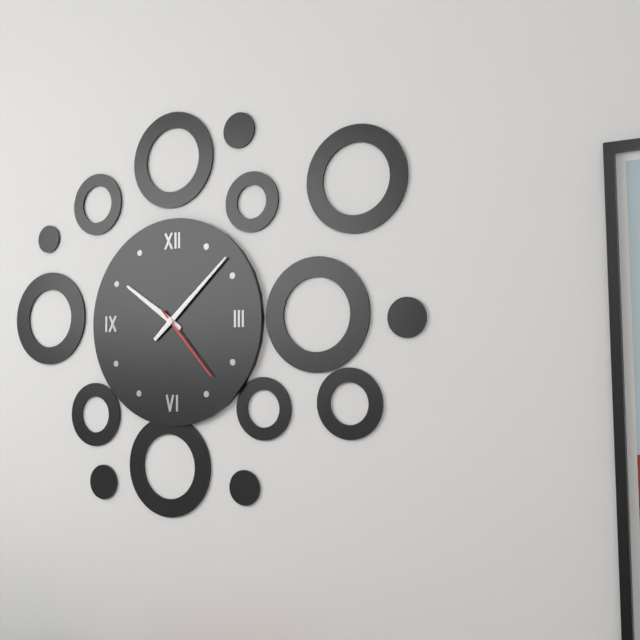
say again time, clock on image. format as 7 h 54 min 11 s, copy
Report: 10 h 08 min 23 s
